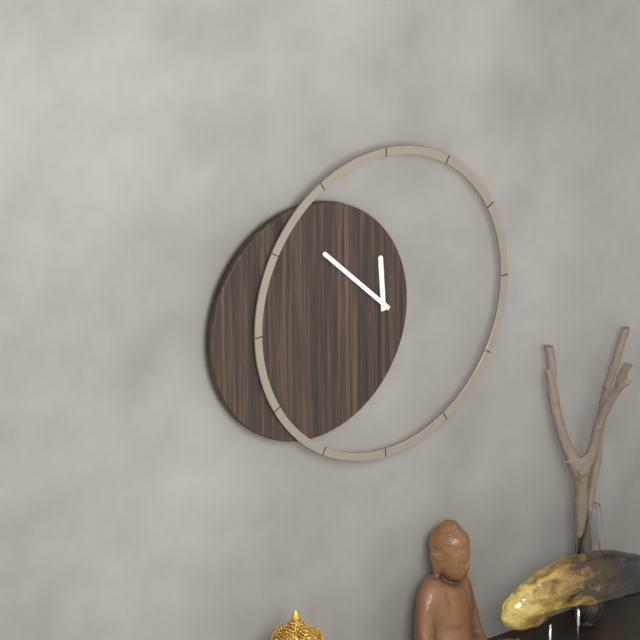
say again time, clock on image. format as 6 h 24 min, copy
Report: 11 h 52 min
